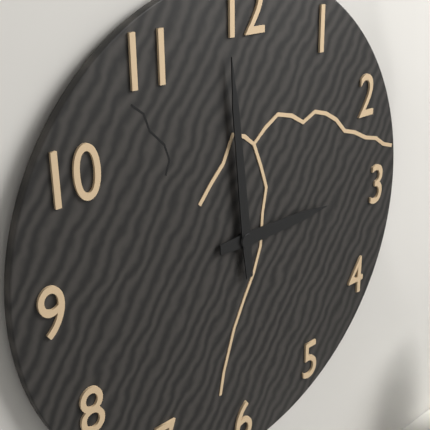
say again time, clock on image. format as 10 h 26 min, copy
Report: 2 h 59 min
